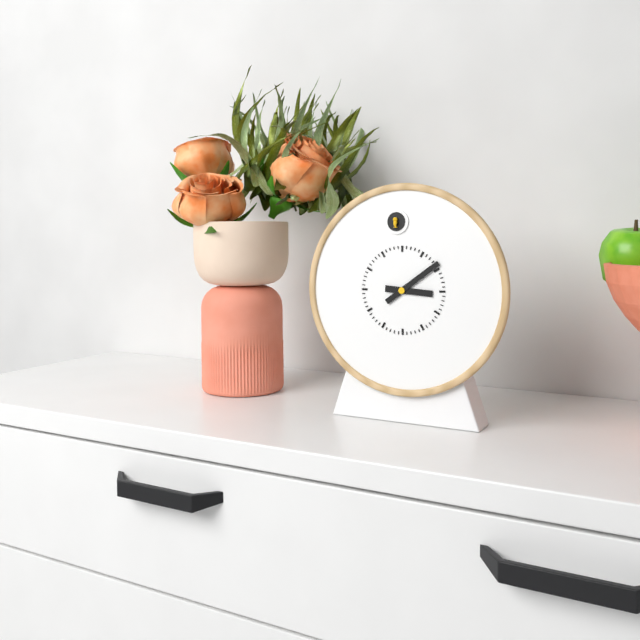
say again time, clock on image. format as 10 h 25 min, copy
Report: 3 h 09 min
